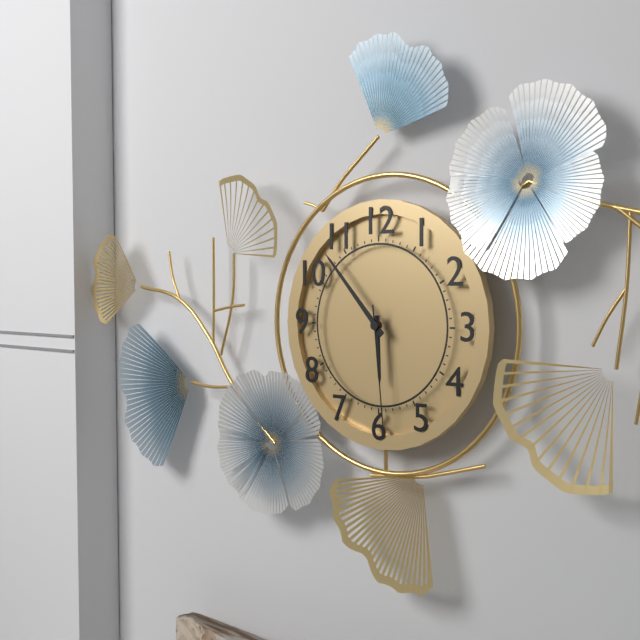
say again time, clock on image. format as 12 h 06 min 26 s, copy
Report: 5 h 53 min 29 s
